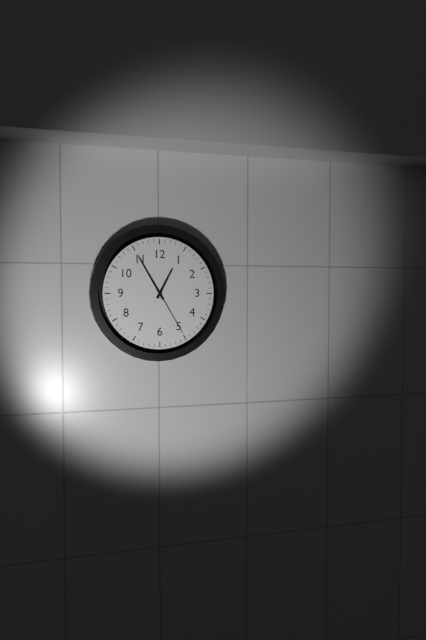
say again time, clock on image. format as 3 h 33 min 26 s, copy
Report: 12 h 55 min 25 s
